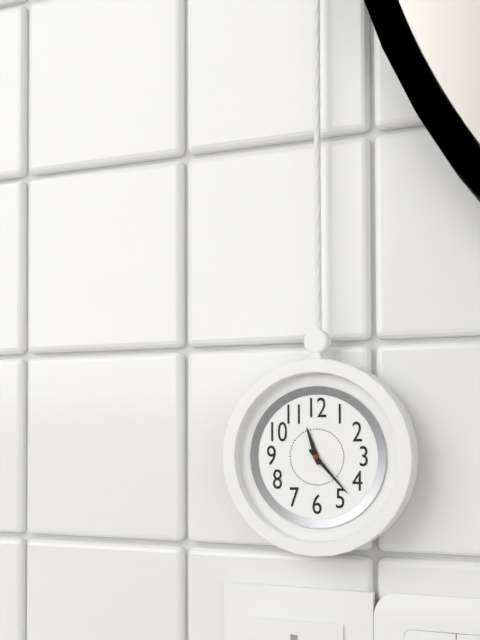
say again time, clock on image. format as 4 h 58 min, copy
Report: 11 h 23 min
